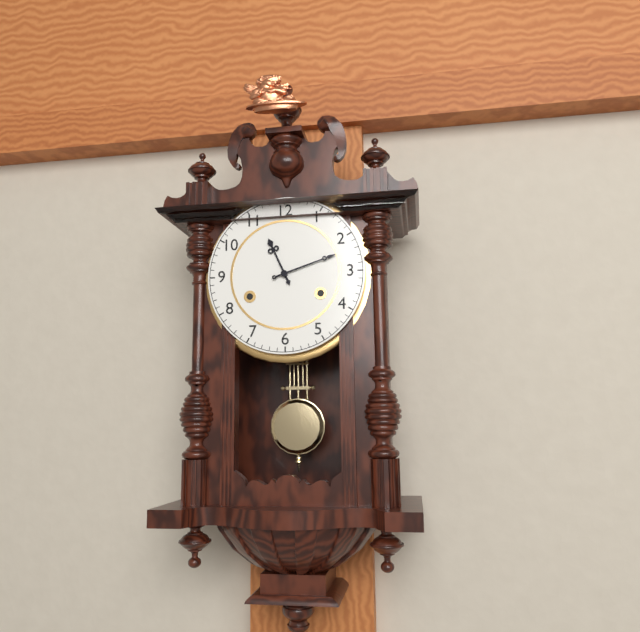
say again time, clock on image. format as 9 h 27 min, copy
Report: 11 h 12 min
